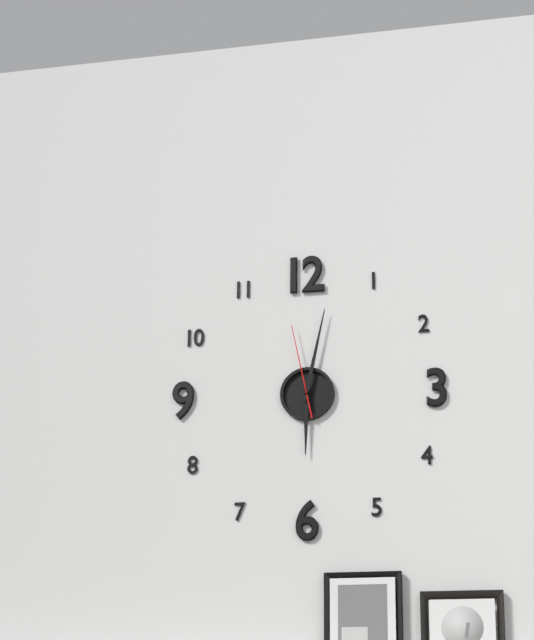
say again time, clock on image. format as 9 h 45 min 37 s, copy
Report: 6 h 02 min 58 s
